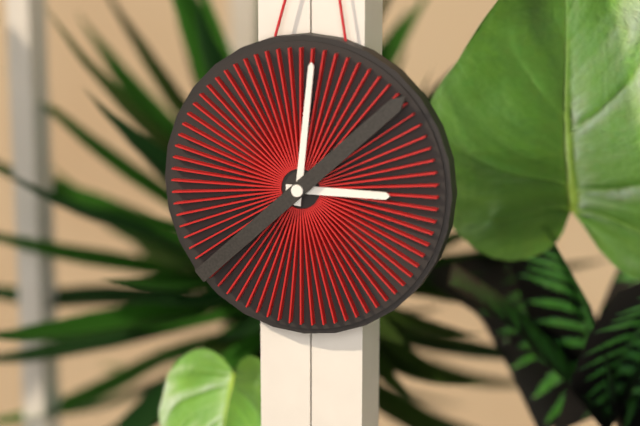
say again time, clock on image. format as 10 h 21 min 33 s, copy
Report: 3 h 01 min 08 s
